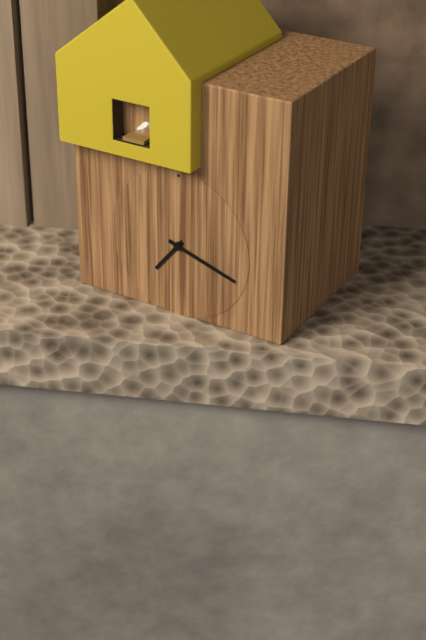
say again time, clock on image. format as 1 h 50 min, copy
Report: 7 h 18 min
